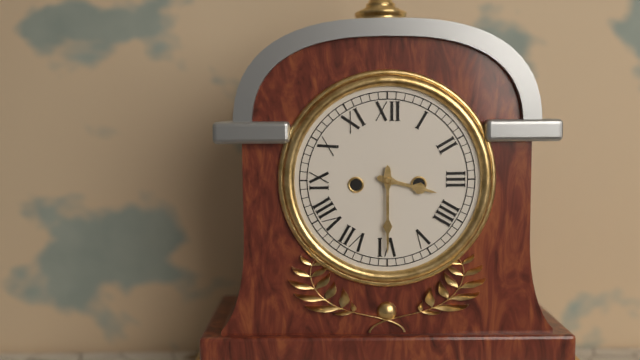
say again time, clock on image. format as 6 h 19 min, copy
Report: 3 h 30 min
